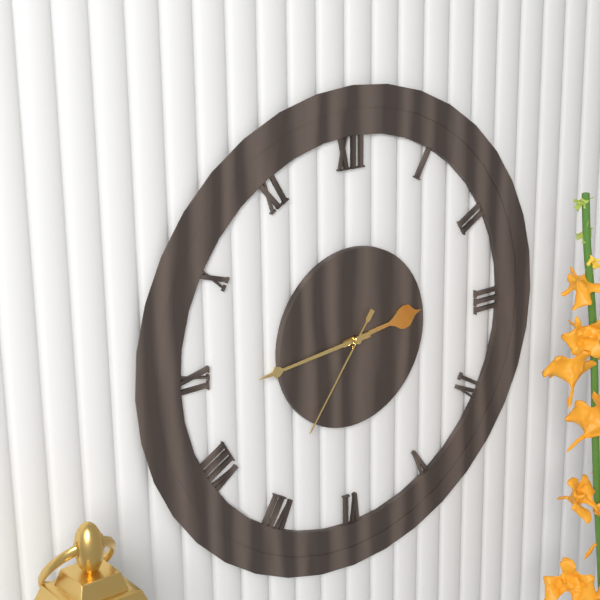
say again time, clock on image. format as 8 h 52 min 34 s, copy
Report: 2 h 44 min 36 s
